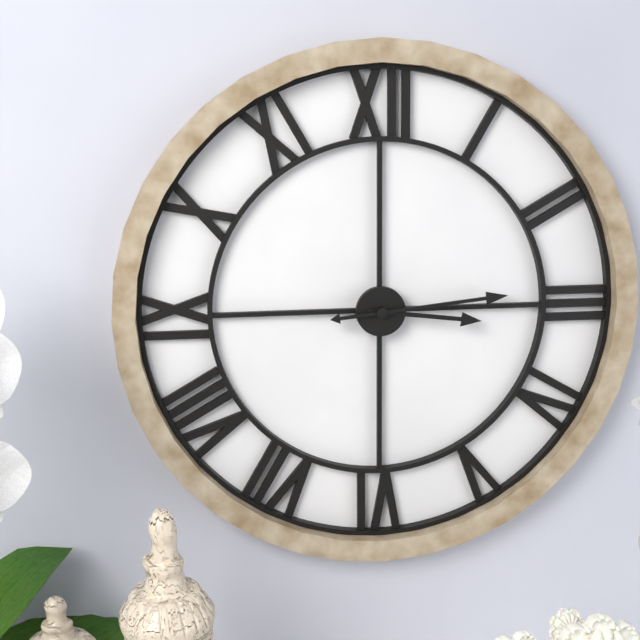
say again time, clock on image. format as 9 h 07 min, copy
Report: 3 h 14 min
